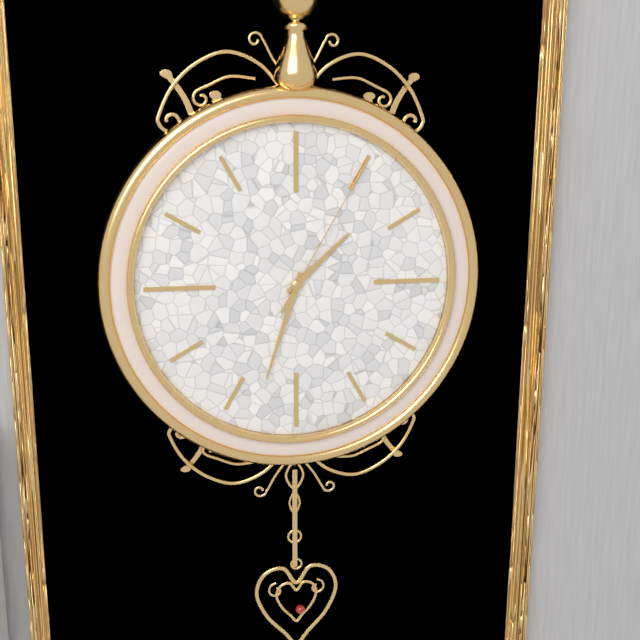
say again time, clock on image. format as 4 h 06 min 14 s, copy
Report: 1 h 33 min 05 s
